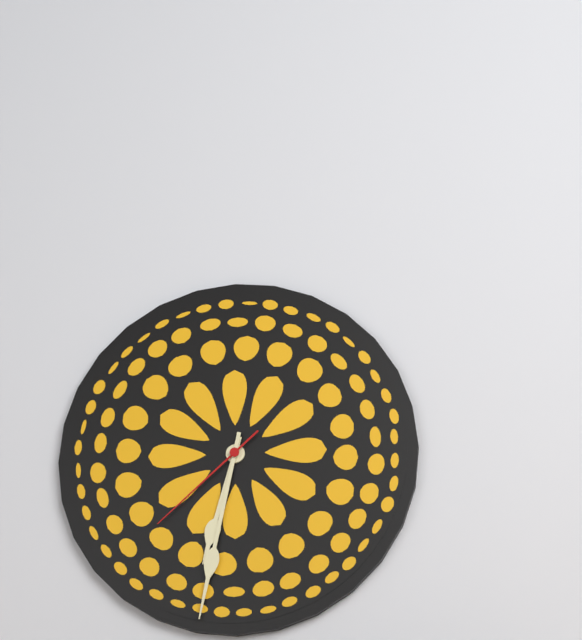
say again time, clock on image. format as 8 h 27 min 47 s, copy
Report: 6 h 32 min 38 s
